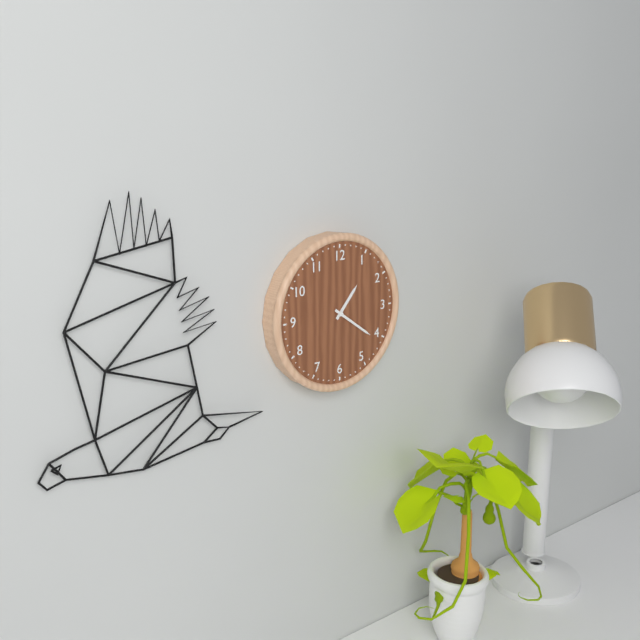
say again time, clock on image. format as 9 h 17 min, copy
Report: 1 h 21 min
